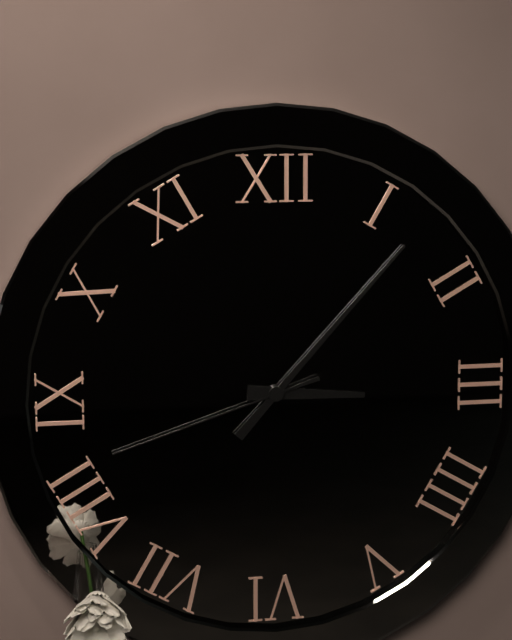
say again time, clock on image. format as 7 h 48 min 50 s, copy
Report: 3 h 07 min 42 s
